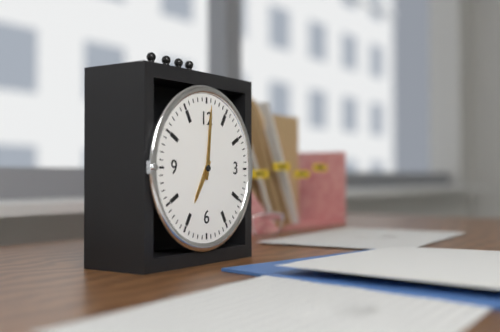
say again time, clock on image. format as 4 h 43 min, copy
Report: 7 h 01 min
